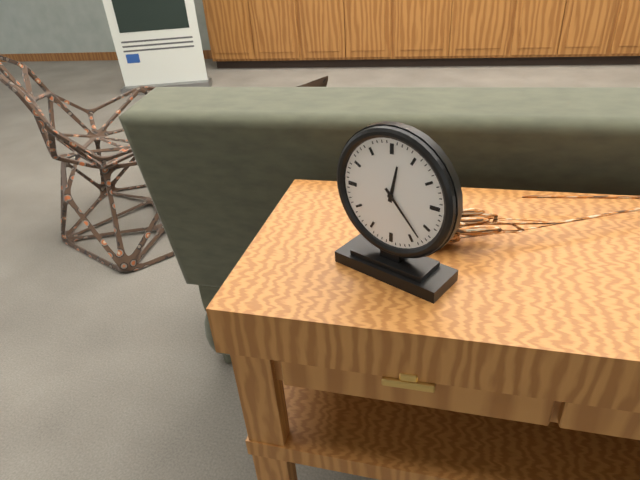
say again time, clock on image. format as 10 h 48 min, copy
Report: 12 h 23 min
